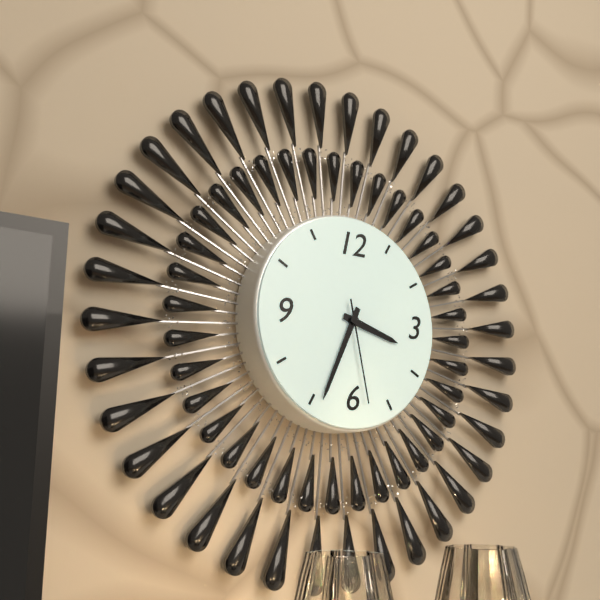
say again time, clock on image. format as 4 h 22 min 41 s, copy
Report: 3 h 34 min 28 s
